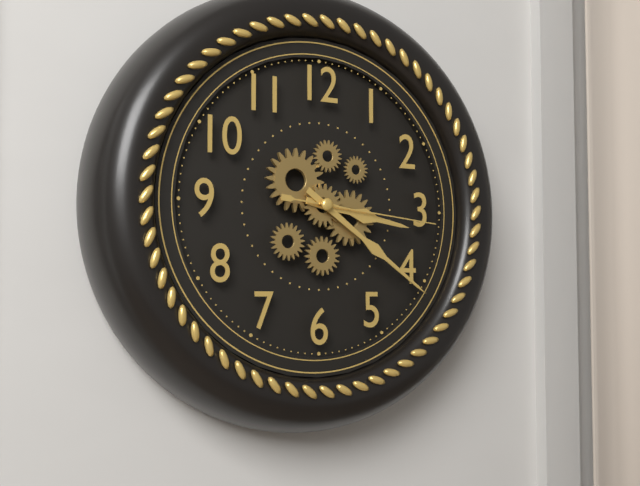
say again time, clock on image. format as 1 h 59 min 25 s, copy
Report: 3 h 21 min 16 s
